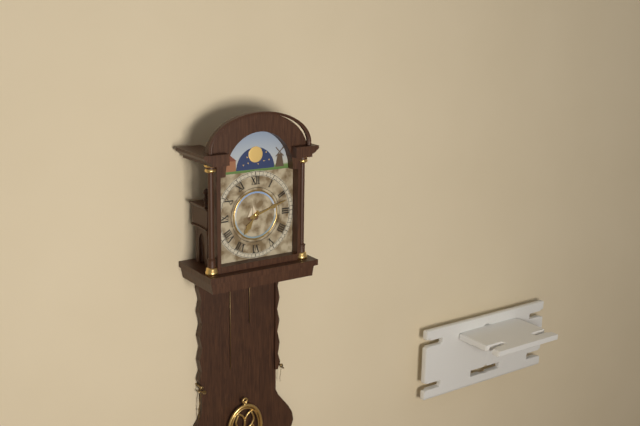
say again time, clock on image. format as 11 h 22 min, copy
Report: 7 h 12 min
